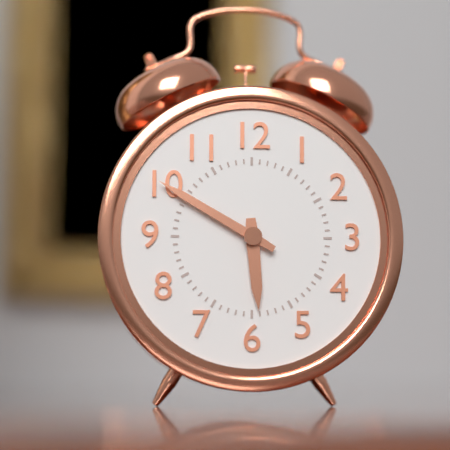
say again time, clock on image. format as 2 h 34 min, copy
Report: 5 h 50 min
